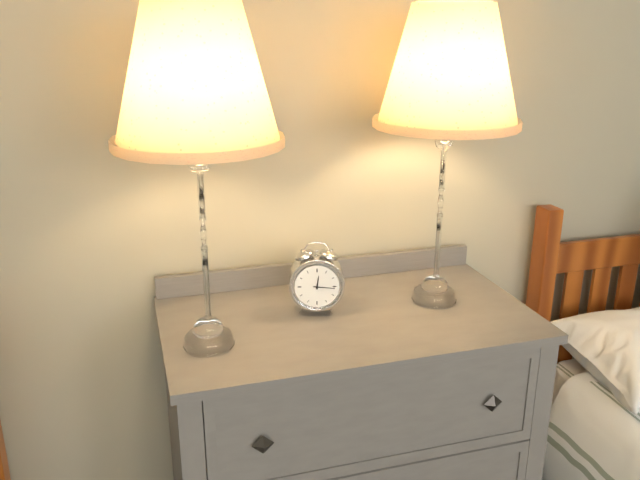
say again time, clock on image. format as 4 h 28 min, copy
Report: 12 h 16 min
